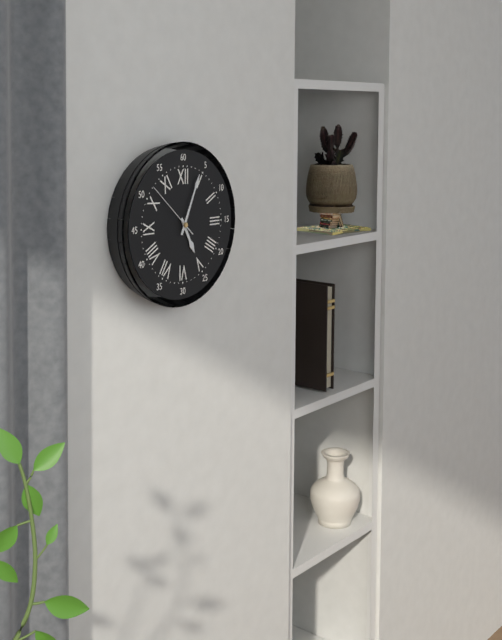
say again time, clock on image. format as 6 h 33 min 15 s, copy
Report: 5 h 04 min 52 s
